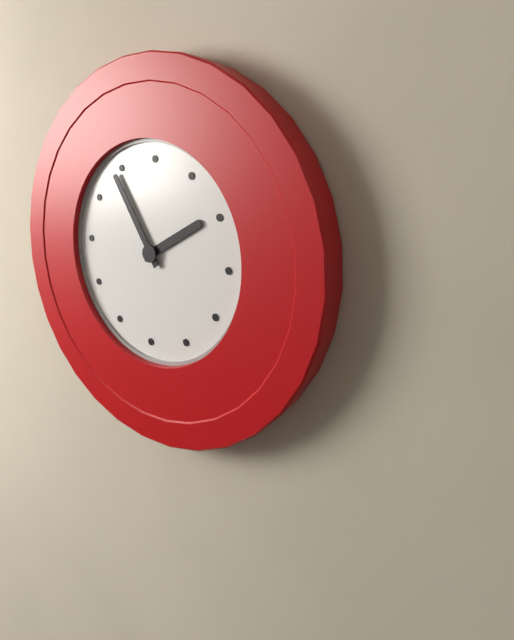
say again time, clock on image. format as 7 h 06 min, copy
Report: 1 h 54 min
